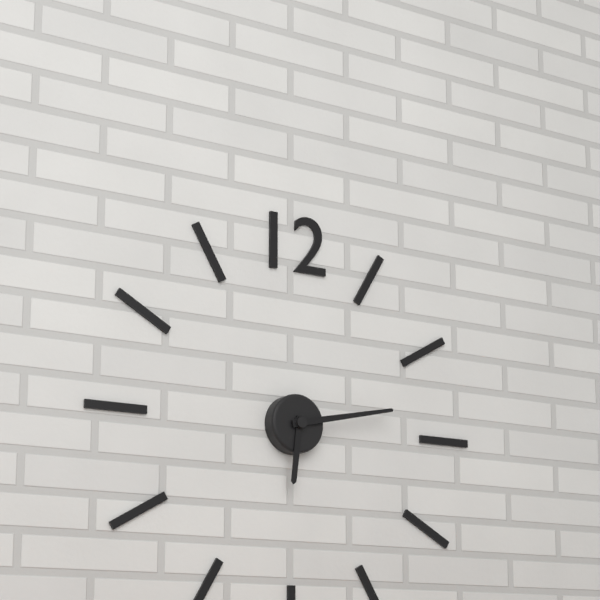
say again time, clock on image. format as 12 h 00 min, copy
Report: 6 h 13 min
